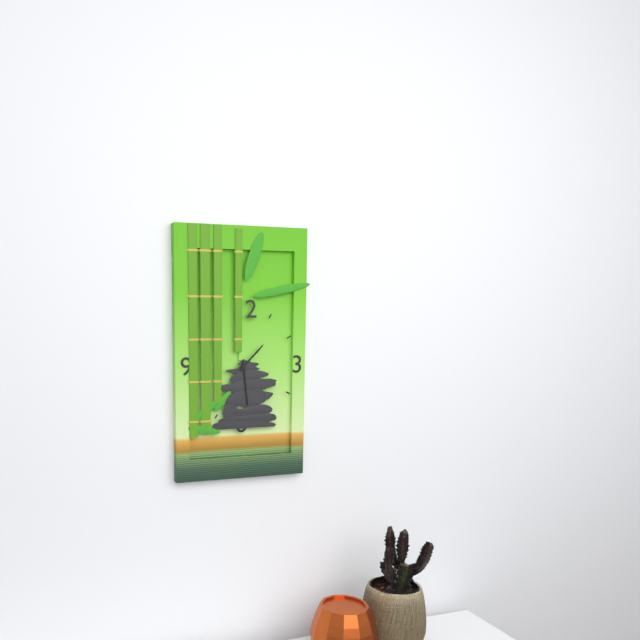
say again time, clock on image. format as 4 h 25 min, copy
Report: 1 h 29 min
